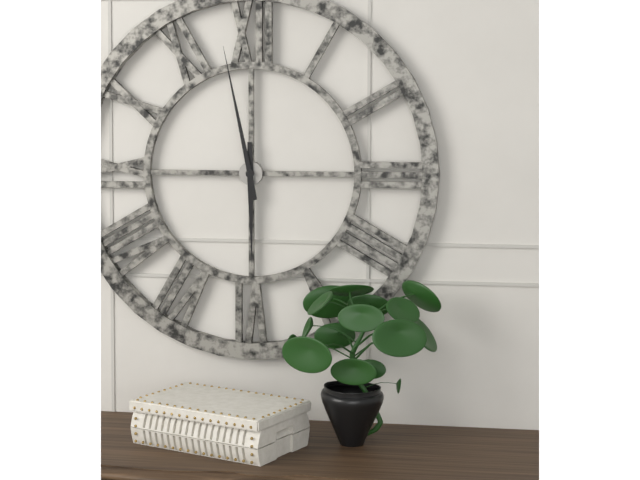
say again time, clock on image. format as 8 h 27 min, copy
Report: 5 h 58 min
